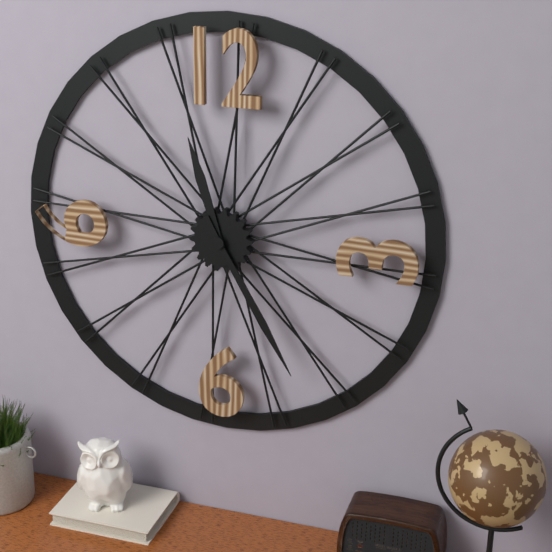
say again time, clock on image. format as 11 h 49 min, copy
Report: 11 h 25 min
